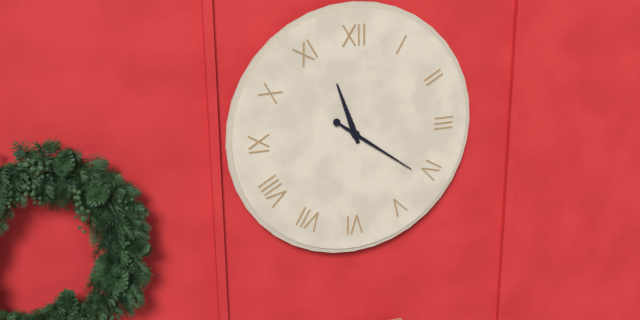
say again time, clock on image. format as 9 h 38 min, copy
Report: 11 h 21 min
